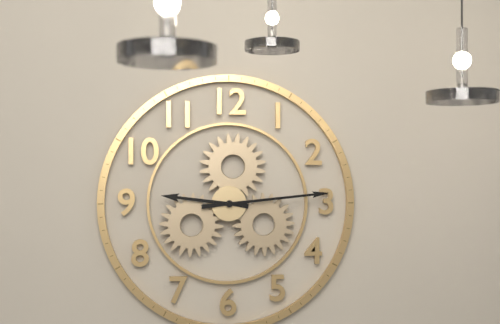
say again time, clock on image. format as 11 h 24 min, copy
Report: 9 h 14 min
